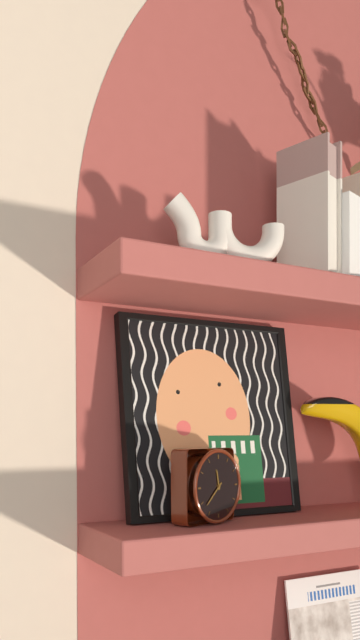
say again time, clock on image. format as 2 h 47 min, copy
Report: 11 h 38 min
